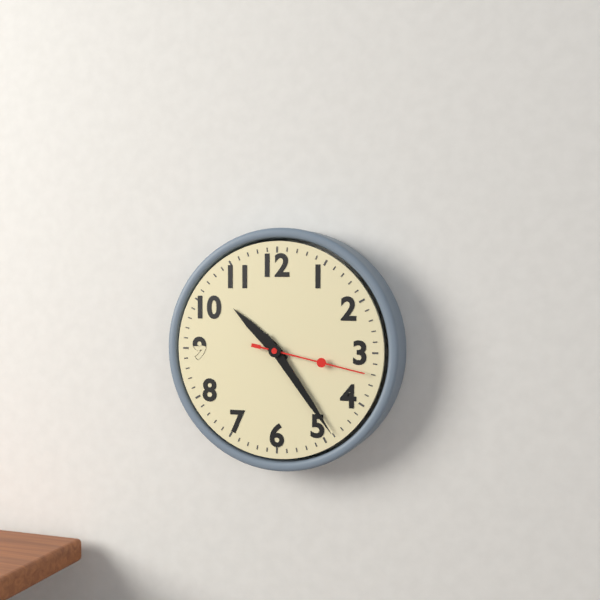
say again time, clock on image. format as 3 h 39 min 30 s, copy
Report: 10 h 24 min 17 s
